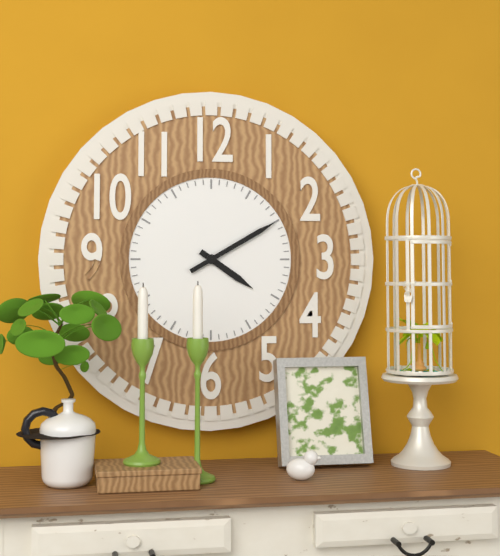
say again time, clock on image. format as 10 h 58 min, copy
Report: 4 h 10 min
